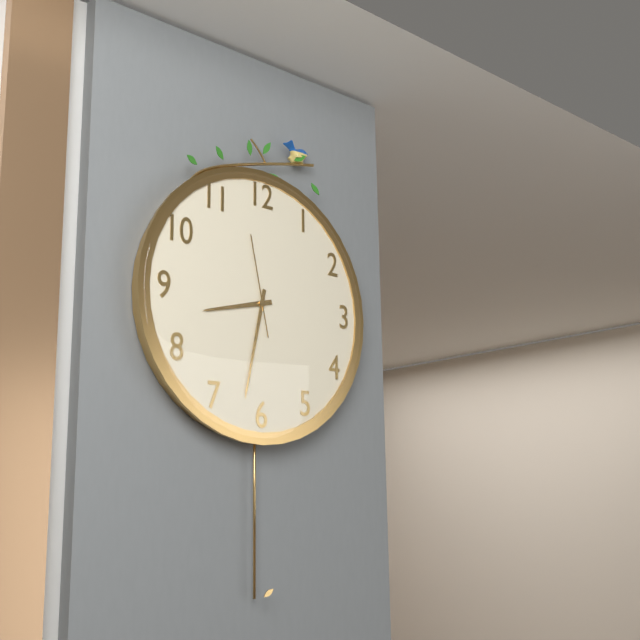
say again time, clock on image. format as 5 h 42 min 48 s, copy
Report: 8 h 32 min 58 s
